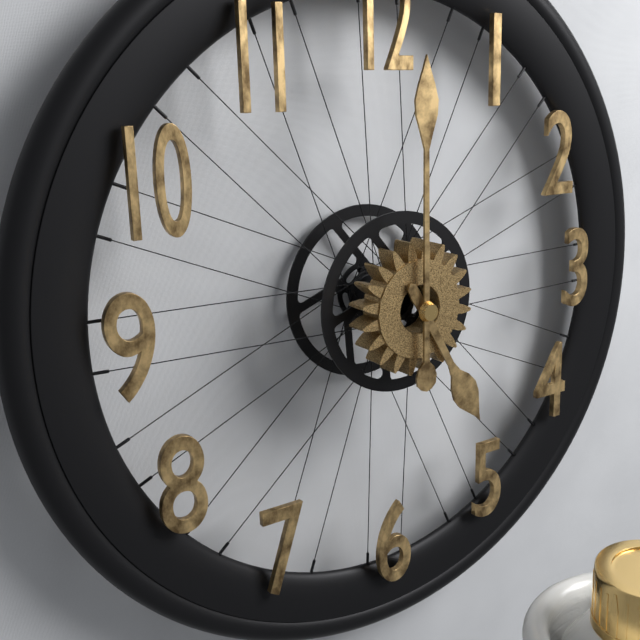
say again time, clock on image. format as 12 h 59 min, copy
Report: 5 h 00 min
